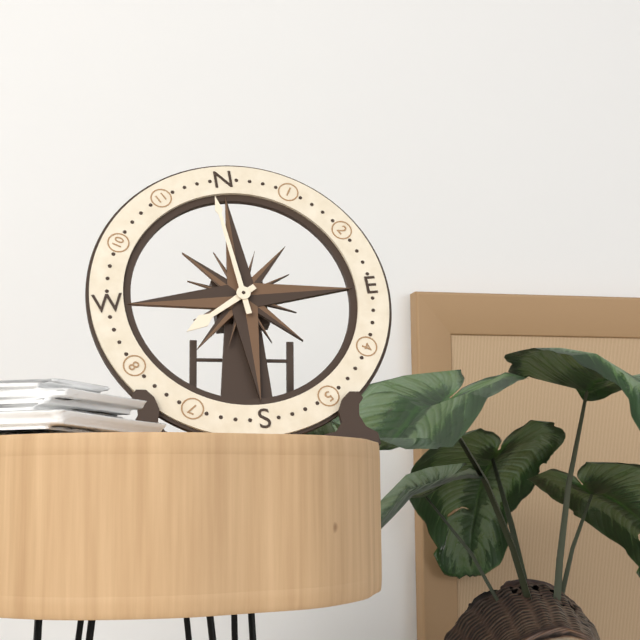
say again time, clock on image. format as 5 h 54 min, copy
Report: 7 h 59 min
